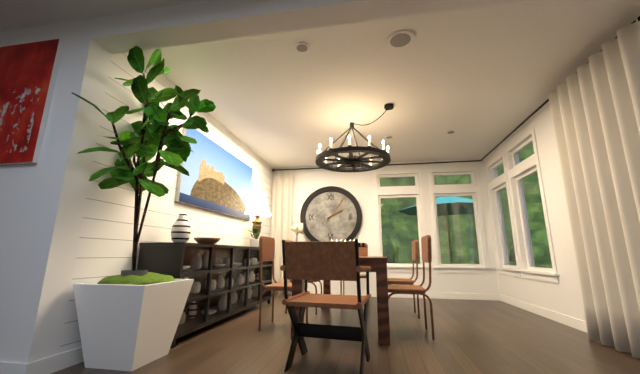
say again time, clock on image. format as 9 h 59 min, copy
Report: 2 h 06 min
